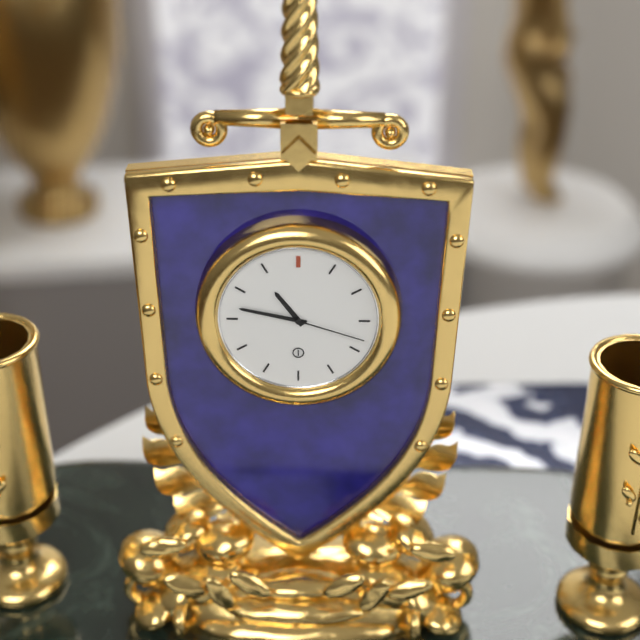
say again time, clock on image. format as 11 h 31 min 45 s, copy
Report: 10 h 47 min 18 s
